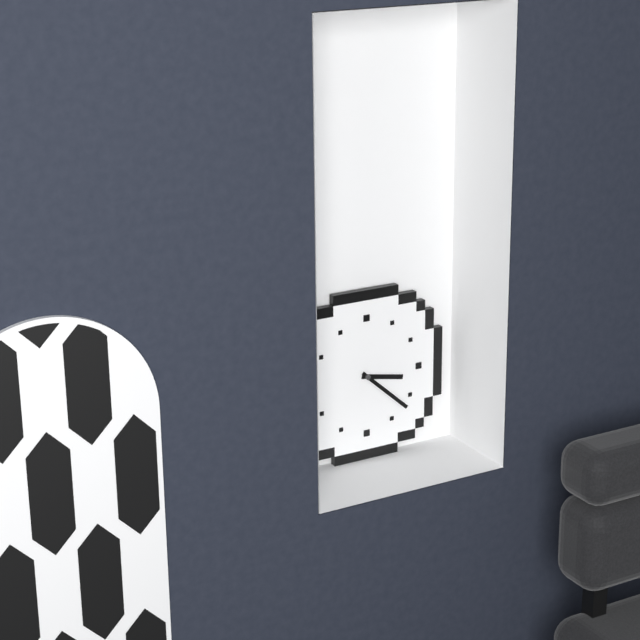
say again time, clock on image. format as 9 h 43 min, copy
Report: 3 h 22 min
